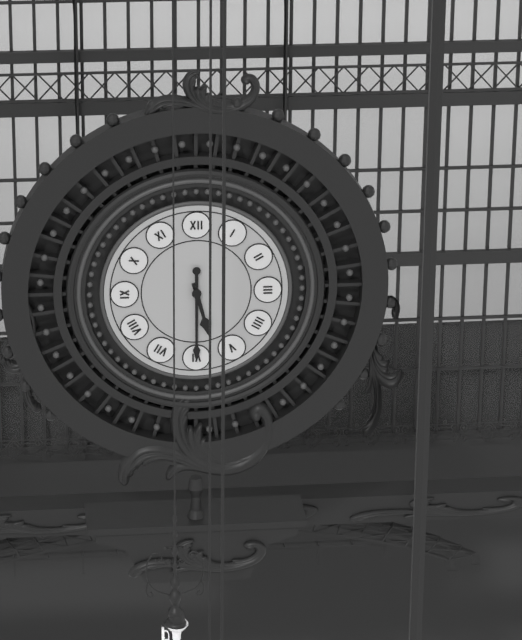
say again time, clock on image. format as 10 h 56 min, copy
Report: 5 h 30 min
